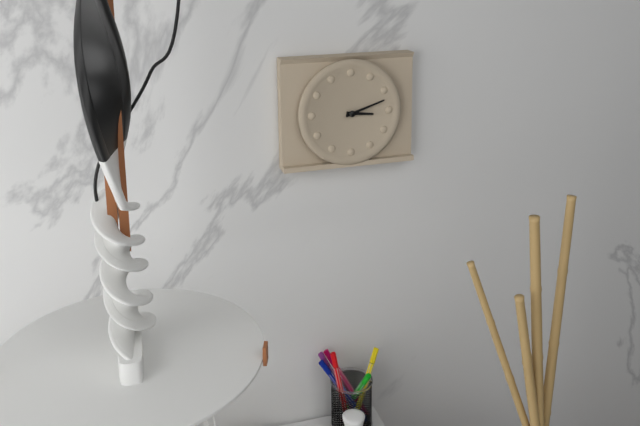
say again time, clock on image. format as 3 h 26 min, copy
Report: 3 h 12 min
